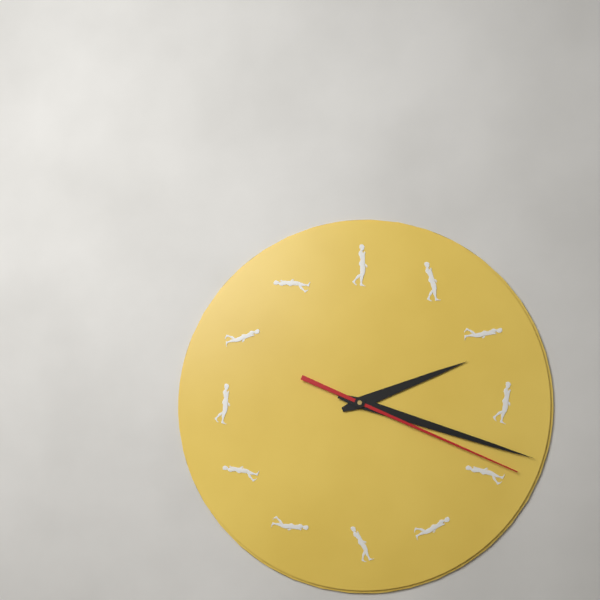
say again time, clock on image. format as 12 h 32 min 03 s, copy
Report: 2 h 18 min 19 s
